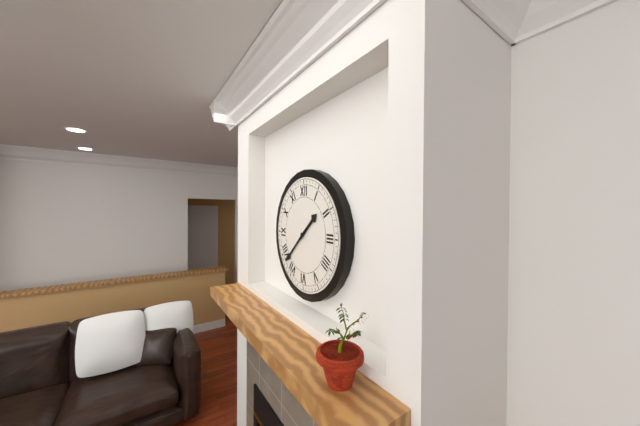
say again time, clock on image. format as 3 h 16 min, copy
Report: 1 h 38 min
